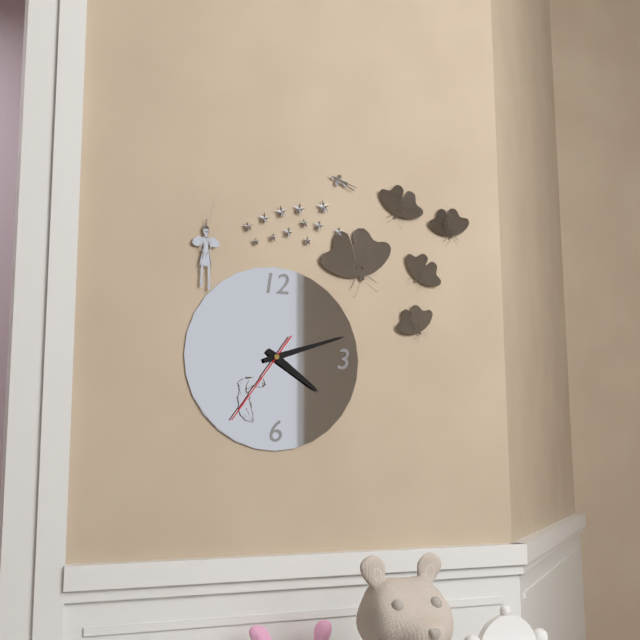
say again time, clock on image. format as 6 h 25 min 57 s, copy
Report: 4 h 12 min 36 s
